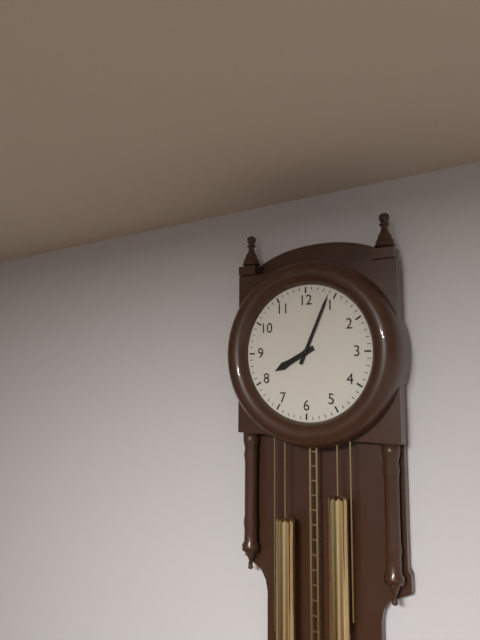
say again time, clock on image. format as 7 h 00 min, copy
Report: 8 h 04 min
